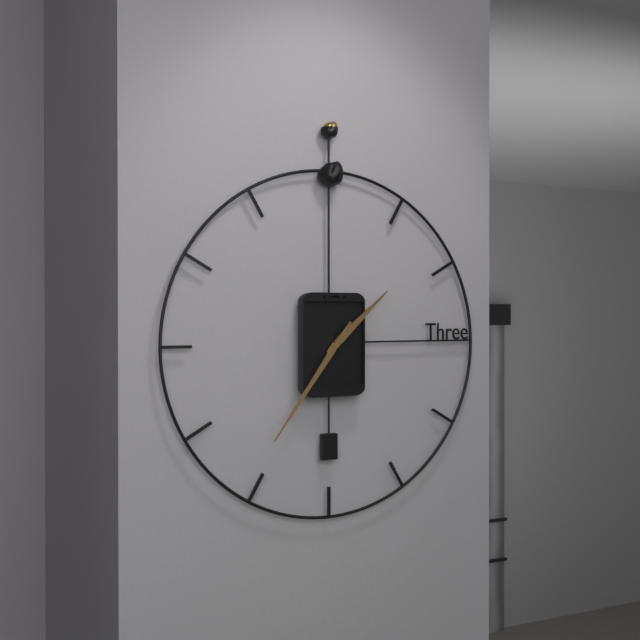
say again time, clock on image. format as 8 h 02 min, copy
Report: 1 h 36 min
